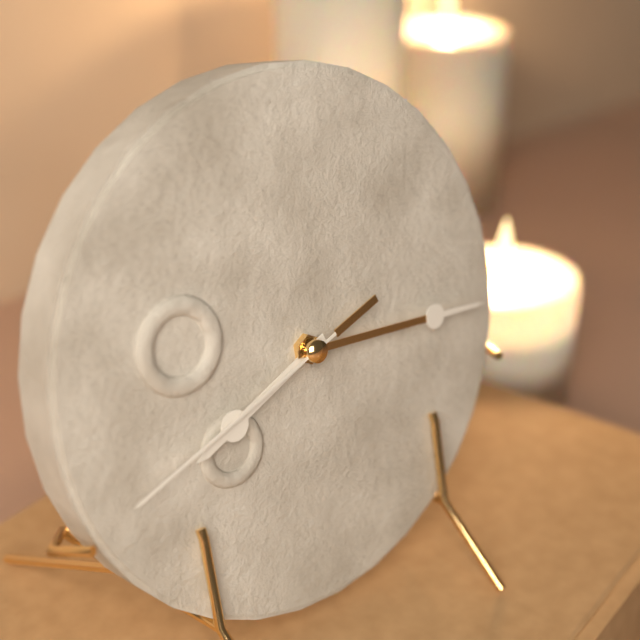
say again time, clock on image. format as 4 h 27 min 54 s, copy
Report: 8 h 16 min 42 s
